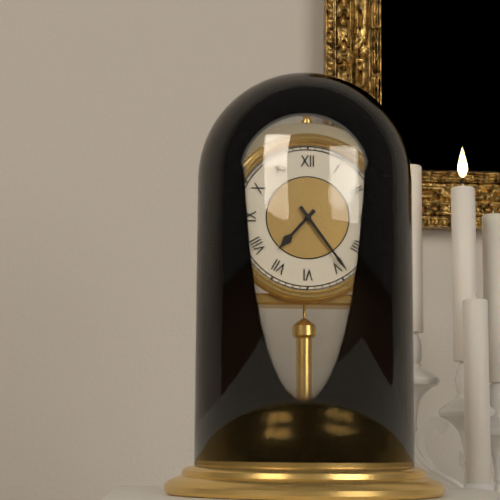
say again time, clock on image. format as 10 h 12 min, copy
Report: 7 h 24 min
